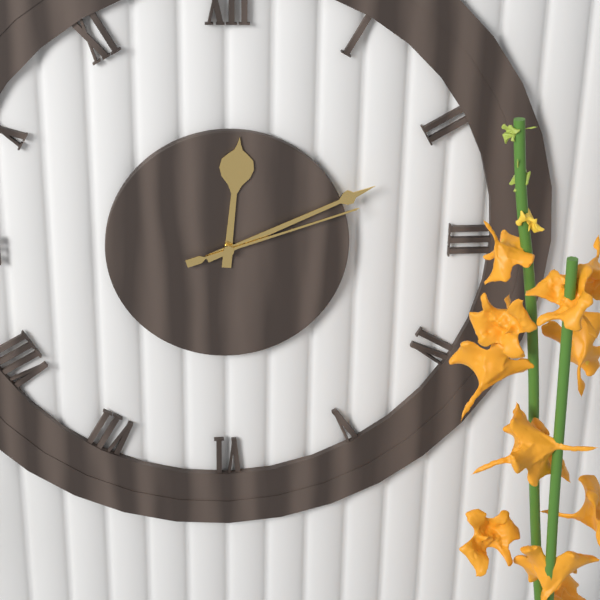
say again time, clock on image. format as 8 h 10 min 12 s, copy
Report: 12 h 11 min 12 s
